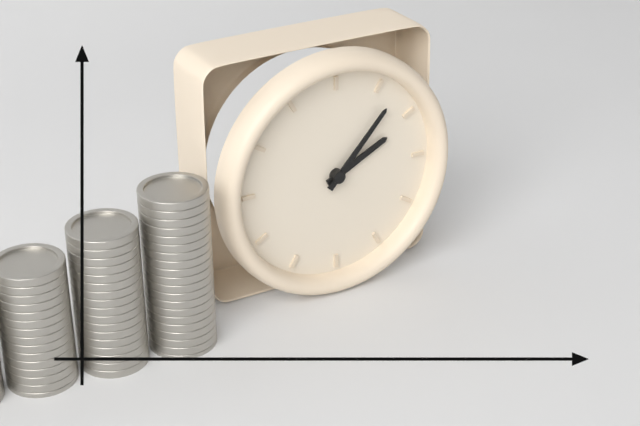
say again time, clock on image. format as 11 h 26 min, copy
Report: 2 h 07 min
